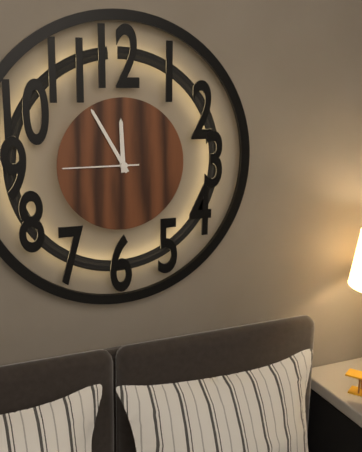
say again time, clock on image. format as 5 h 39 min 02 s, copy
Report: 11 h 55 min 45 s
